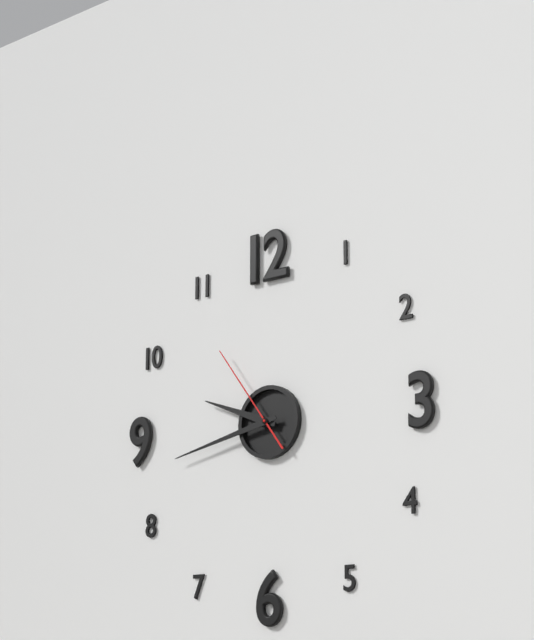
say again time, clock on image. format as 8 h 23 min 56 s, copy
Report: 9 h 43 min 54 s
